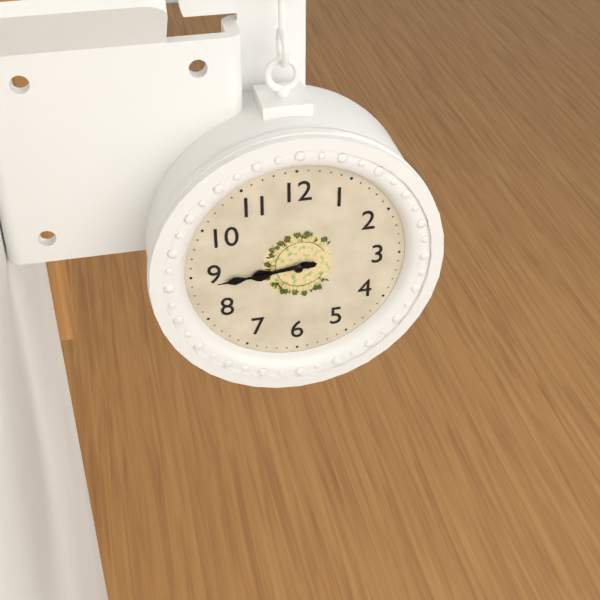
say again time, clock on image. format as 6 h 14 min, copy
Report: 8 h 44 min
